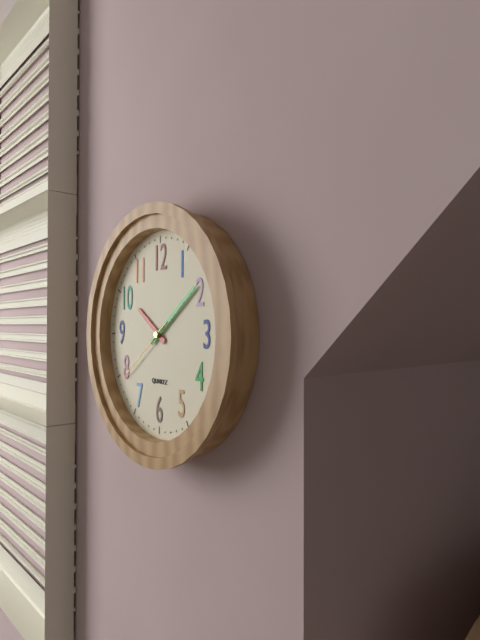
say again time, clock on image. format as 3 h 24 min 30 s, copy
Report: 10 h 09 min 39 s
